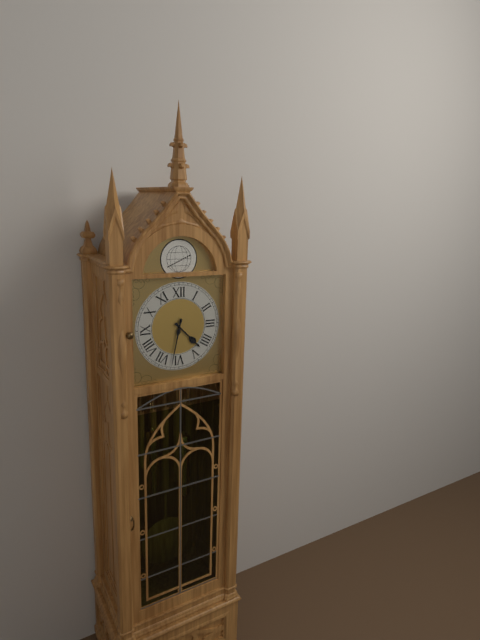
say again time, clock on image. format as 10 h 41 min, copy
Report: 4 h 32 min
